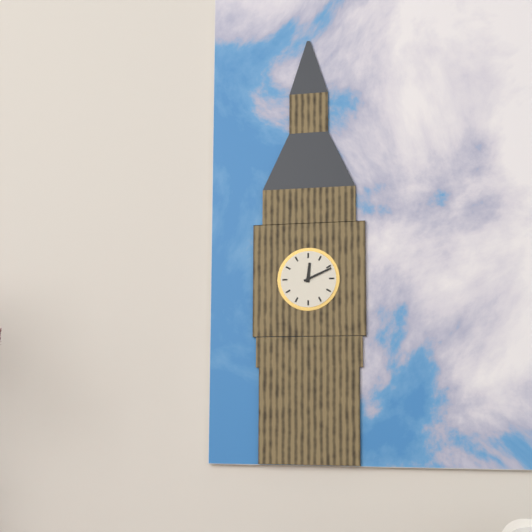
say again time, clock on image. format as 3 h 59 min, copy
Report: 12 h 11 min
